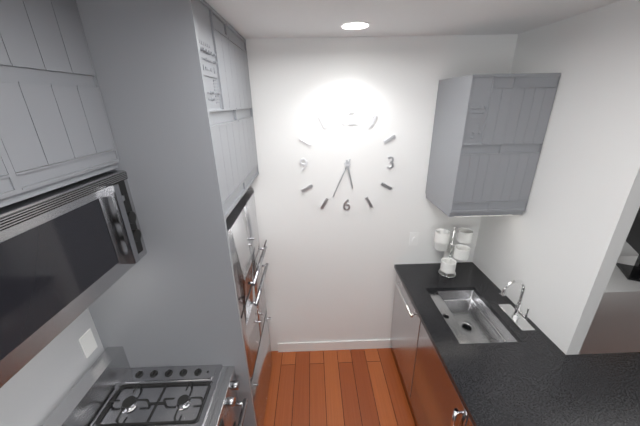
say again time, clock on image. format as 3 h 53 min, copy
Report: 5 h 34 min
